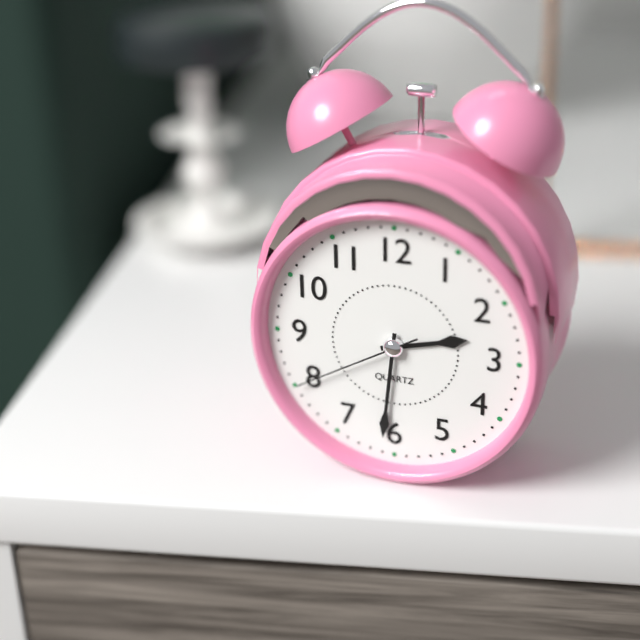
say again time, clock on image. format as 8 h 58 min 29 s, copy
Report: 2 h 31 min 40 s
